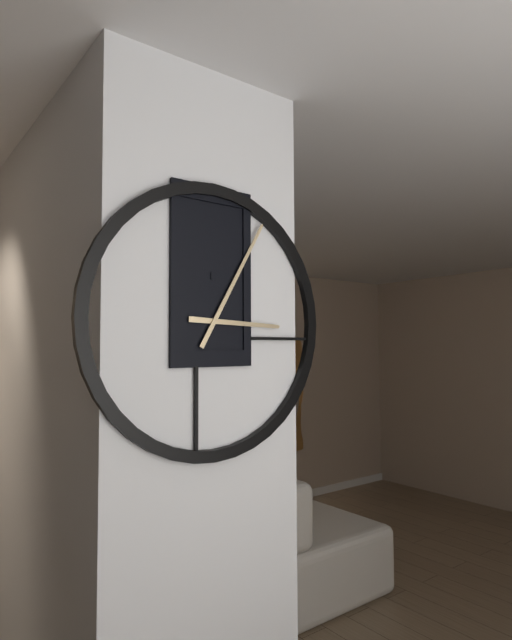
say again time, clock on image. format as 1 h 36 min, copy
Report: 3 h 05 min
